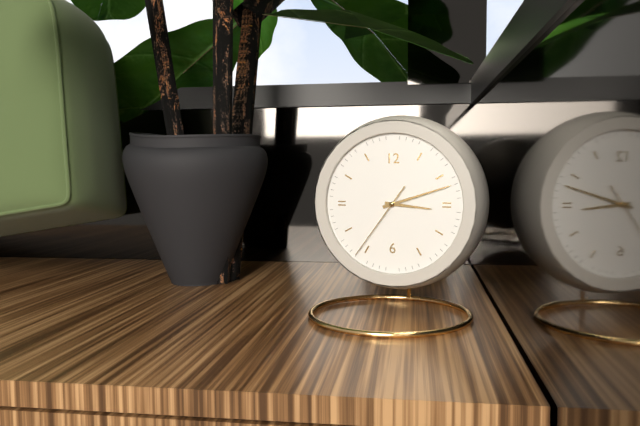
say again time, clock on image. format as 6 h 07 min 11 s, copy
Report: 3 h 12 min 36 s
